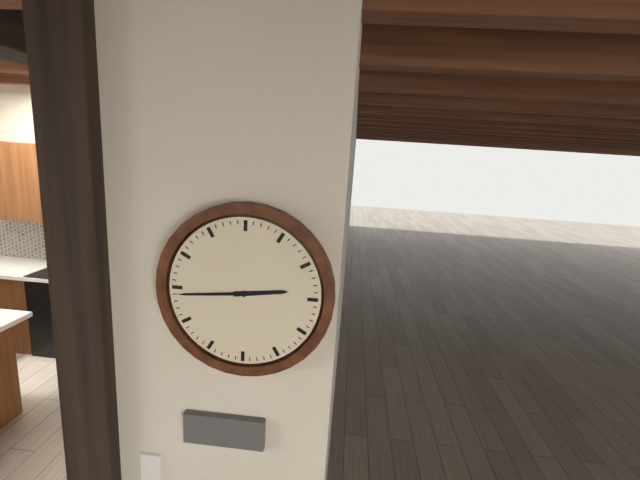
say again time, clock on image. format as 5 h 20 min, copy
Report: 2 h 44 min
